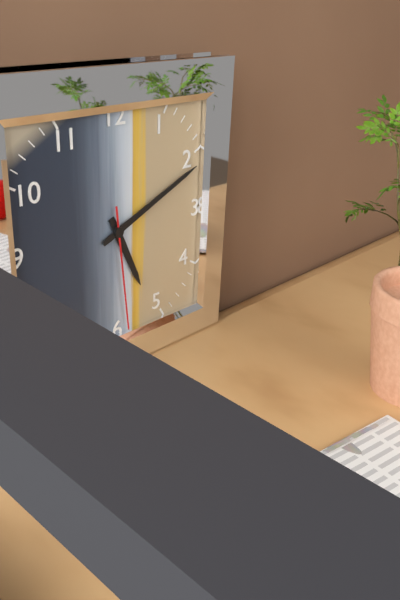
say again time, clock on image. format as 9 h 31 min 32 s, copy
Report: 5 h 11 min 29 s
